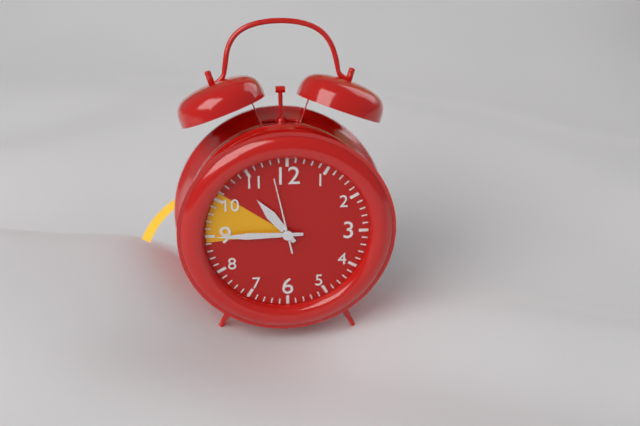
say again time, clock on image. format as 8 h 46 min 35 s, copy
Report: 10 h 45 min 58 s
